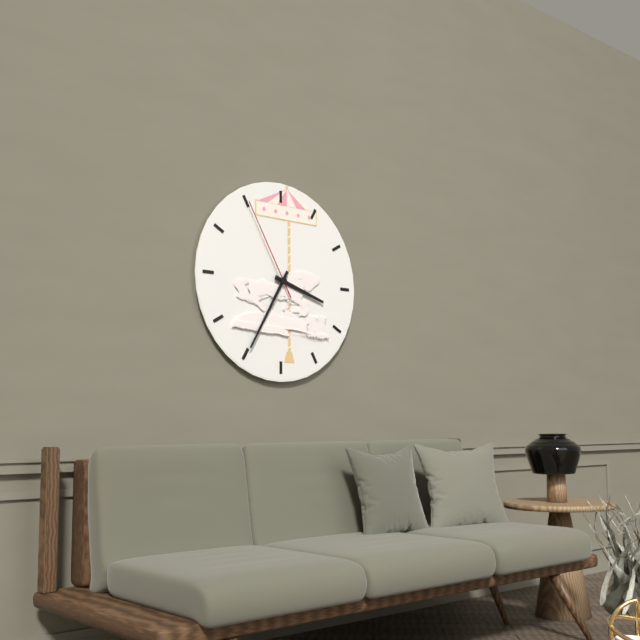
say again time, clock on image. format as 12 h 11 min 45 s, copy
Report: 3 h 35 min 55 s
